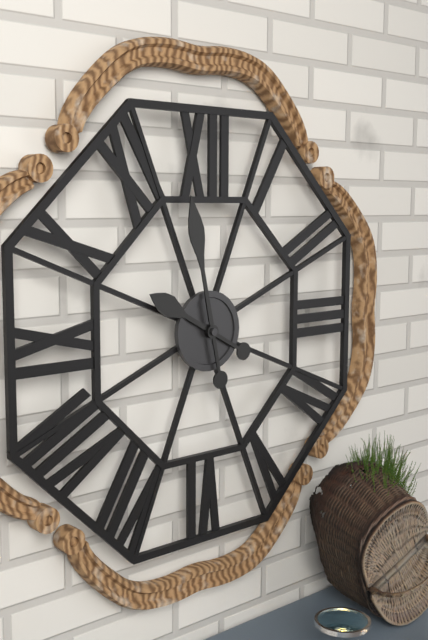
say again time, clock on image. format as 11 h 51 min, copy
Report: 9 h 58 min
